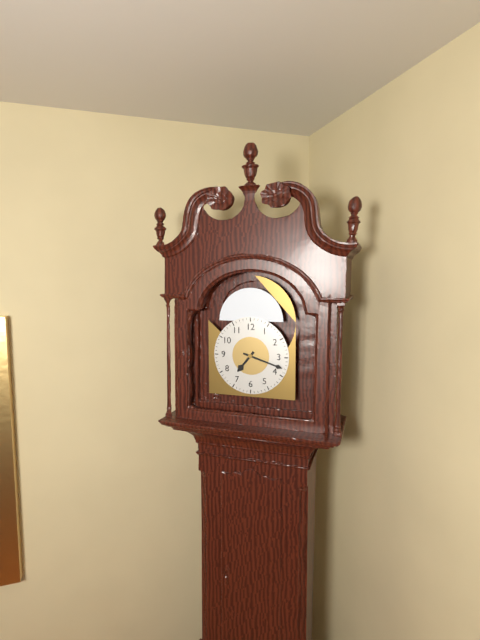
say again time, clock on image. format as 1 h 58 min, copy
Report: 7 h 18 min
